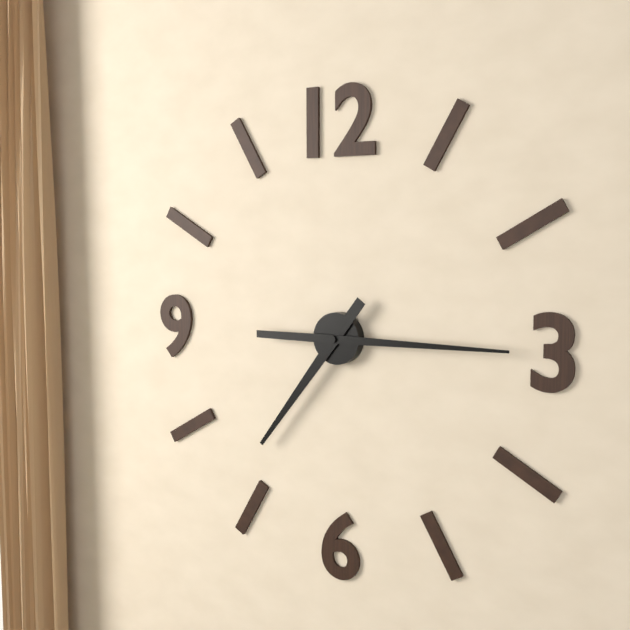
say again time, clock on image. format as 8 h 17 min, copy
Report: 7 h 15 min
